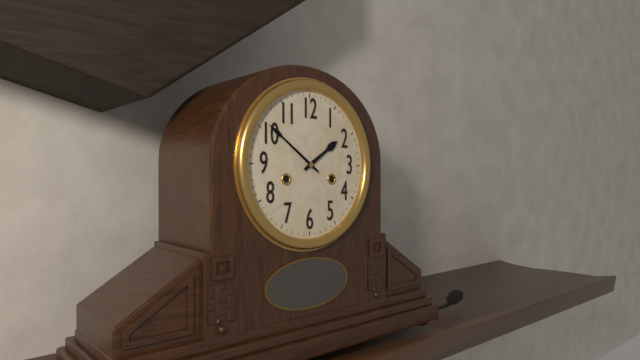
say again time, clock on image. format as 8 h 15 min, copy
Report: 1 h 51 min
